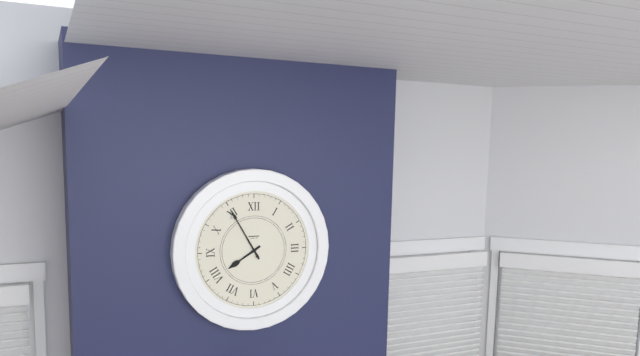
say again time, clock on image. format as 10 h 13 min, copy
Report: 7 h 55 min
